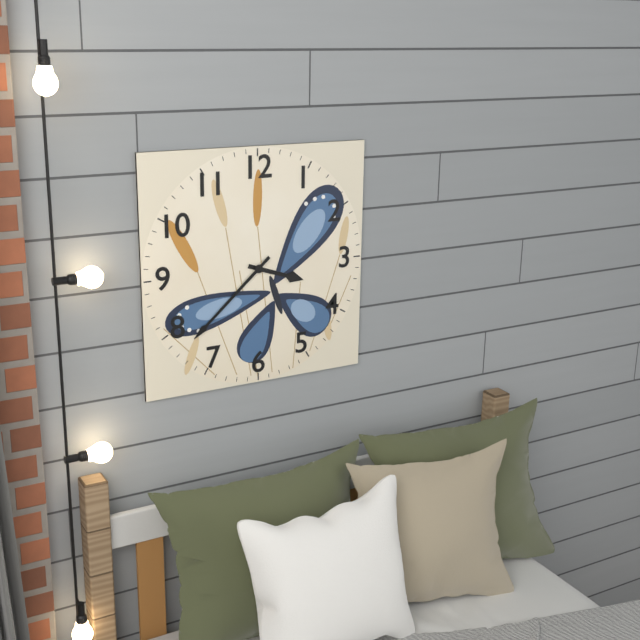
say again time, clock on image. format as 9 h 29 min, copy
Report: 3 h 38 min
